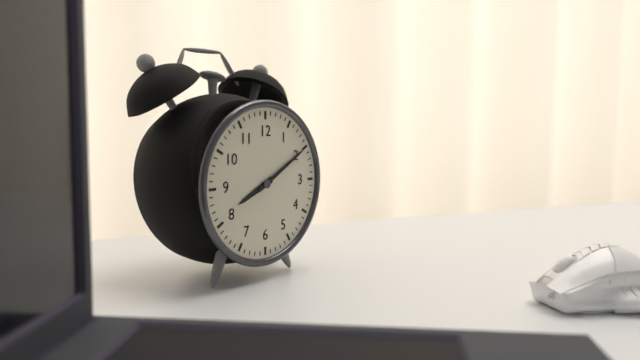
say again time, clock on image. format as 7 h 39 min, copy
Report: 8 h 10 min
